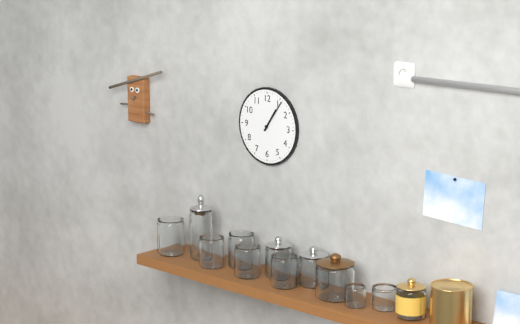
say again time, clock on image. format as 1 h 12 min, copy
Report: 1 h 06 min
